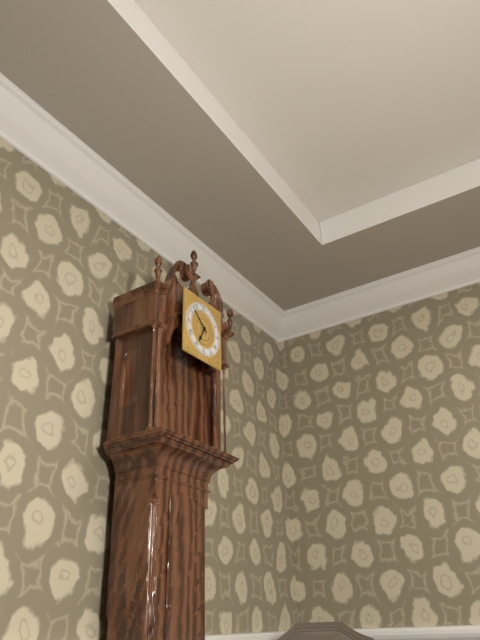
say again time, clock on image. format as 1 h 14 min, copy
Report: 6 h 52 min
